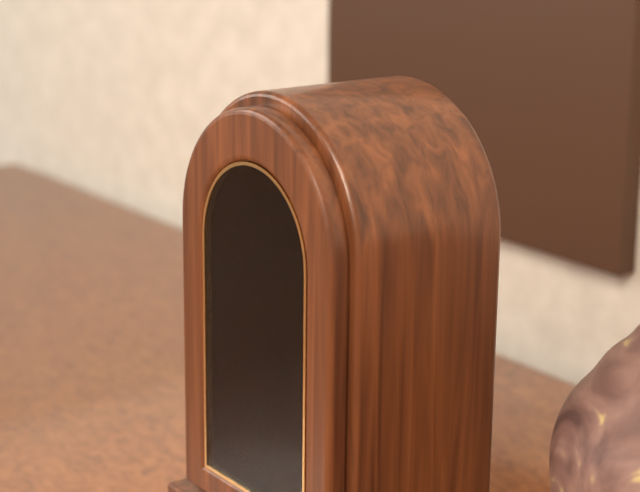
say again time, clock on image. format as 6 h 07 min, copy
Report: 2 h 42 min
